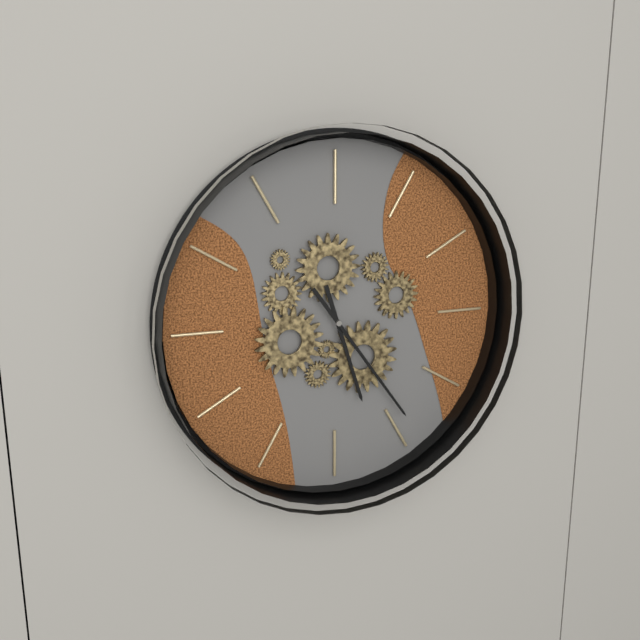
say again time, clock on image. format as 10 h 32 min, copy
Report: 5 h 24 min
